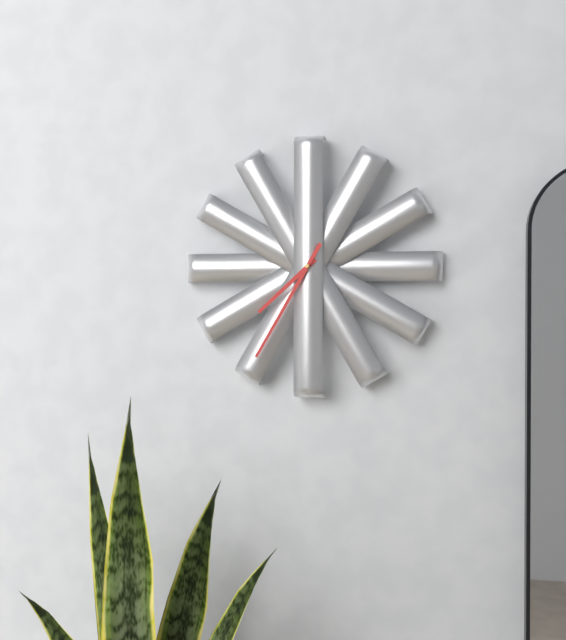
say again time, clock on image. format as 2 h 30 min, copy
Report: 7 h 35 min
